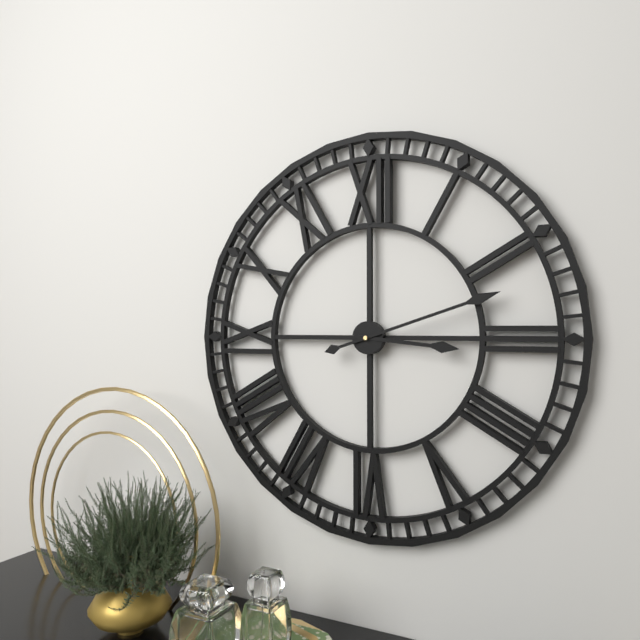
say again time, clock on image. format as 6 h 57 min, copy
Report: 3 h 12 min
